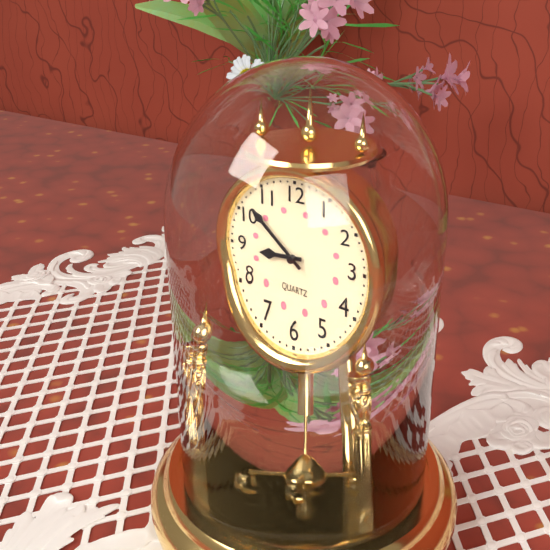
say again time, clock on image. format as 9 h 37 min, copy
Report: 8 h 52 min
